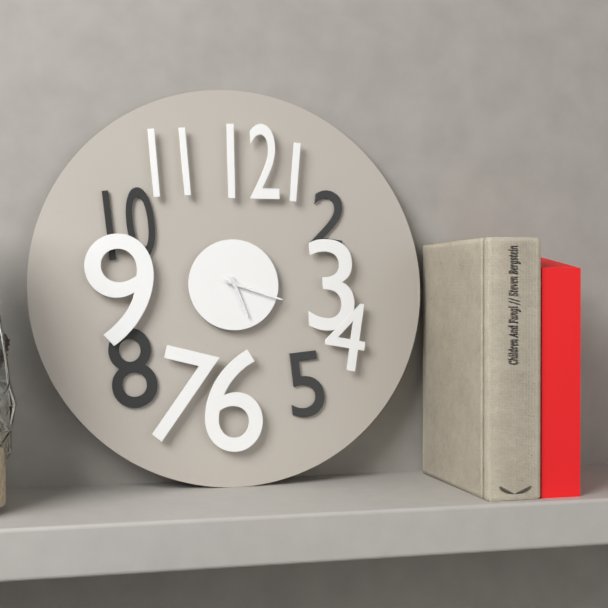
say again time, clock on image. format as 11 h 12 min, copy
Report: 5 h 18 min
